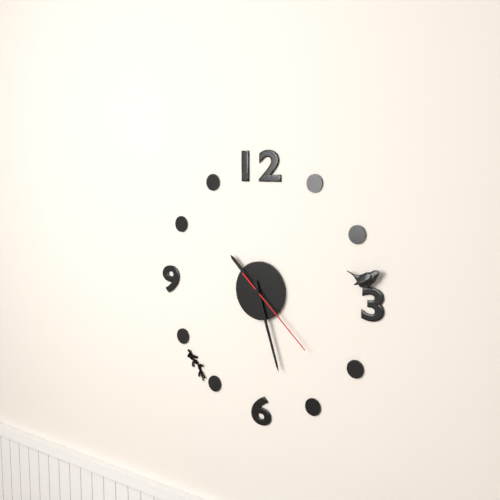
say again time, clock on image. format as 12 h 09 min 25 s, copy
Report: 10 h 27 min 22 s
